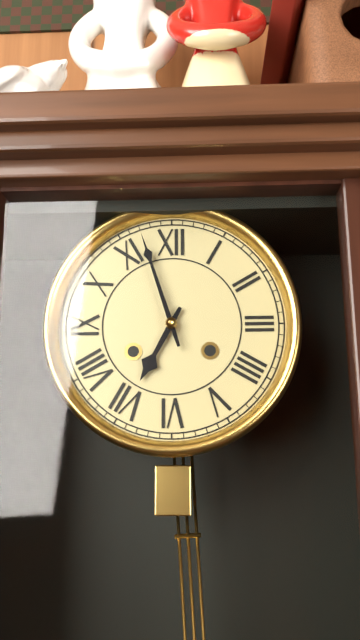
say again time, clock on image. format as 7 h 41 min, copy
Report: 6 h 57 min
